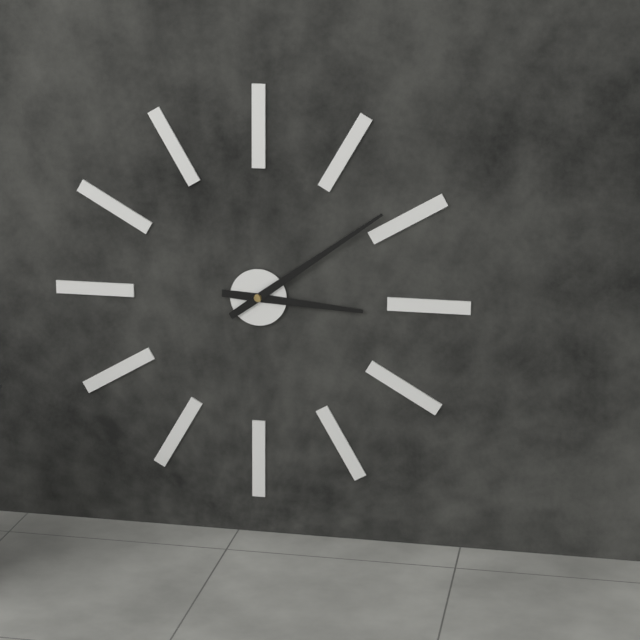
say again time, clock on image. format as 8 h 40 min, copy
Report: 3 h 09 min
